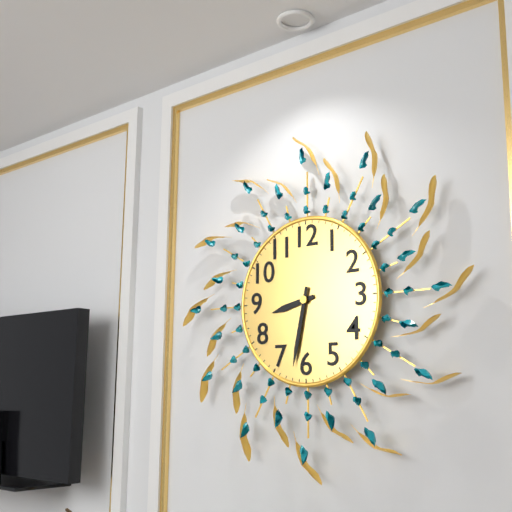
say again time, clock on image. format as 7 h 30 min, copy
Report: 8 h 32 min
